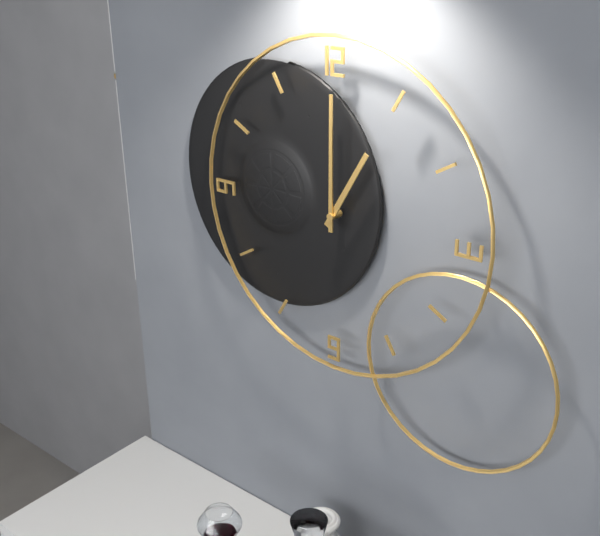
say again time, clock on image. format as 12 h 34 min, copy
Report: 1 h 00 min
